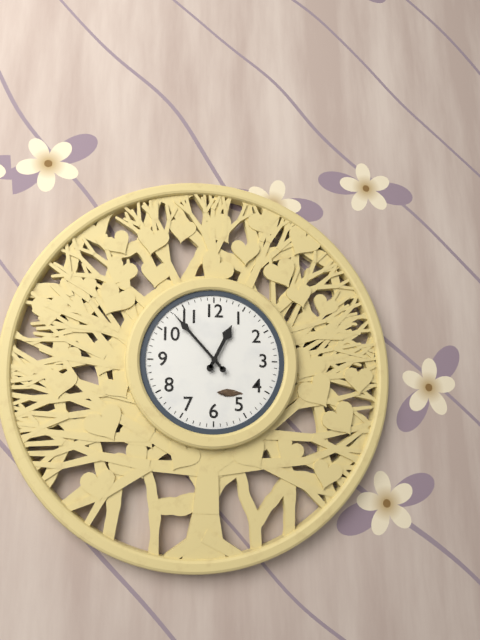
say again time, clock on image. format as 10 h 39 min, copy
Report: 12 h 53 min
